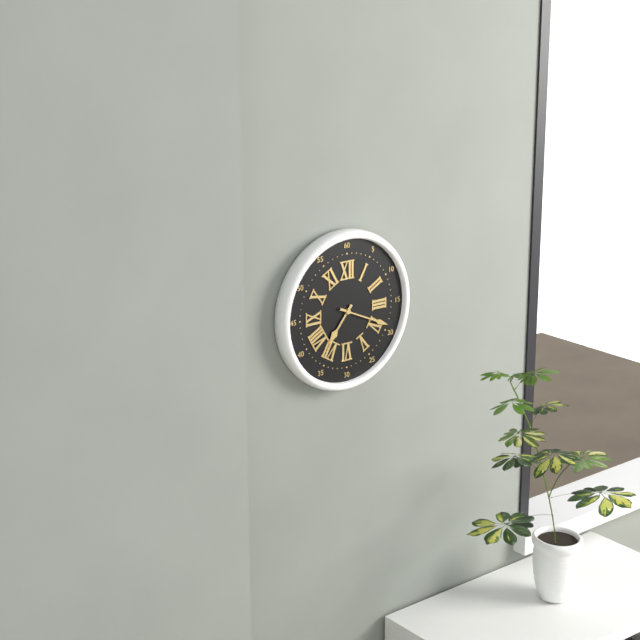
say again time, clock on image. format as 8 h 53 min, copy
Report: 7 h 19 min
